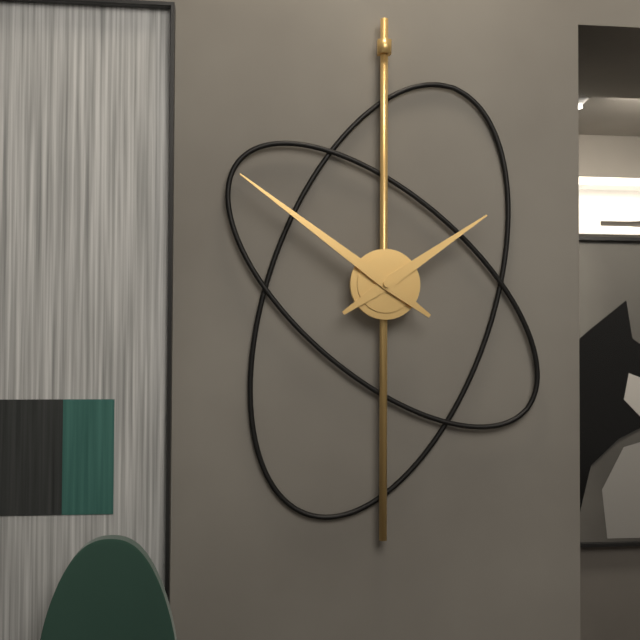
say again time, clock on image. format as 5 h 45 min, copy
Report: 1 h 51 min
